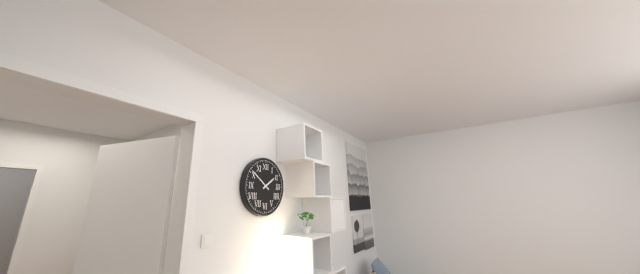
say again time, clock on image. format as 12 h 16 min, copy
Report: 1 h 51 min
